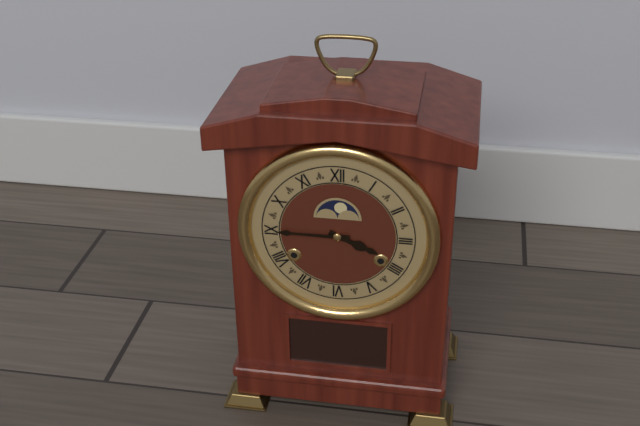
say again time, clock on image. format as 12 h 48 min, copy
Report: 3 h 45 min
